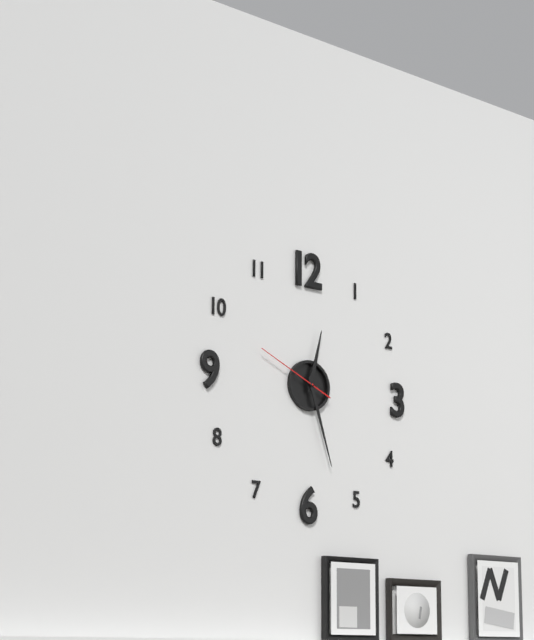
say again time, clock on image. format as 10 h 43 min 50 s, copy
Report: 12 h 27 min 49 s
